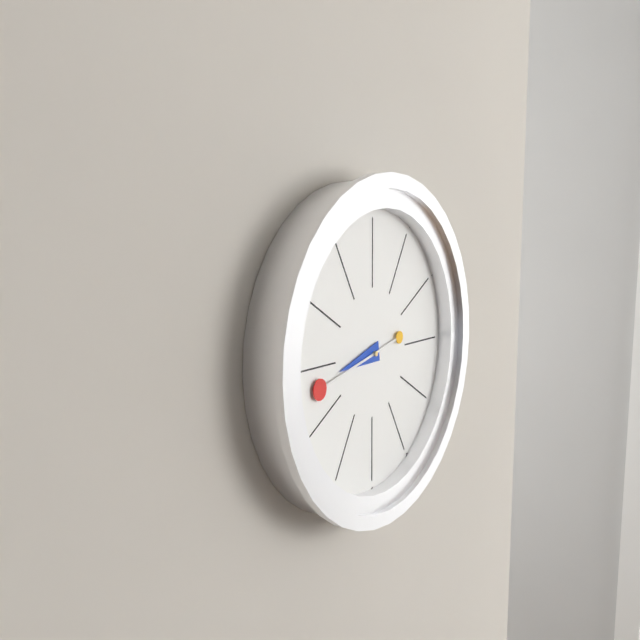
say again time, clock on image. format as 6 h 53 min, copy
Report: 8 h 43 min
